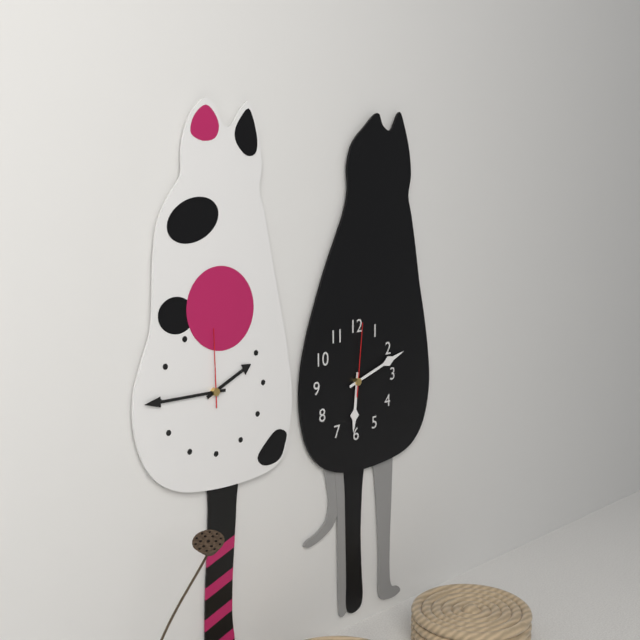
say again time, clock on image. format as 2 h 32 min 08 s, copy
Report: 6 h 12 min 01 s
